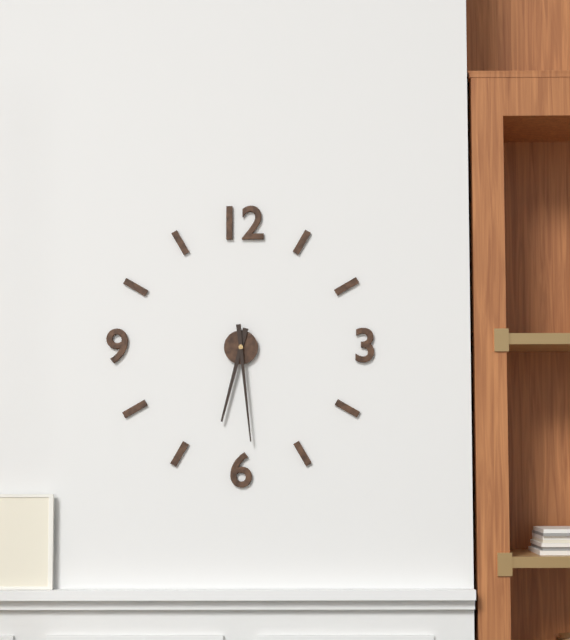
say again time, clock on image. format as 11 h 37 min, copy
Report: 6 h 29 min
